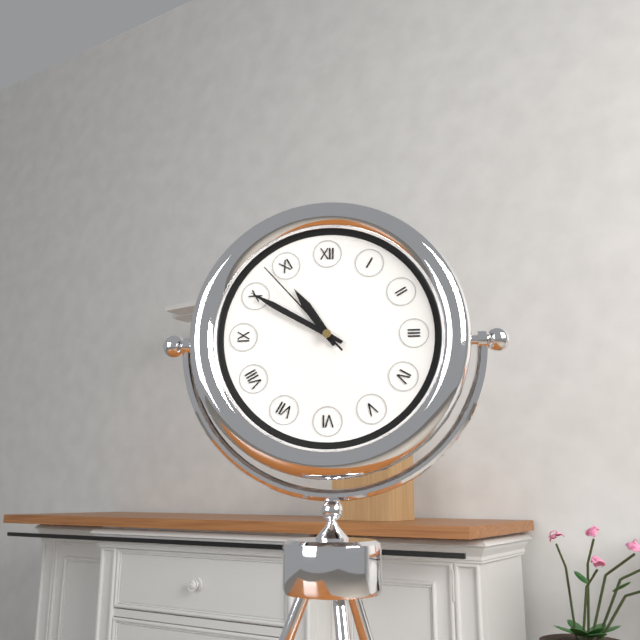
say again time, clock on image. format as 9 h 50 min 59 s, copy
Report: 10 h 50 min 53 s
